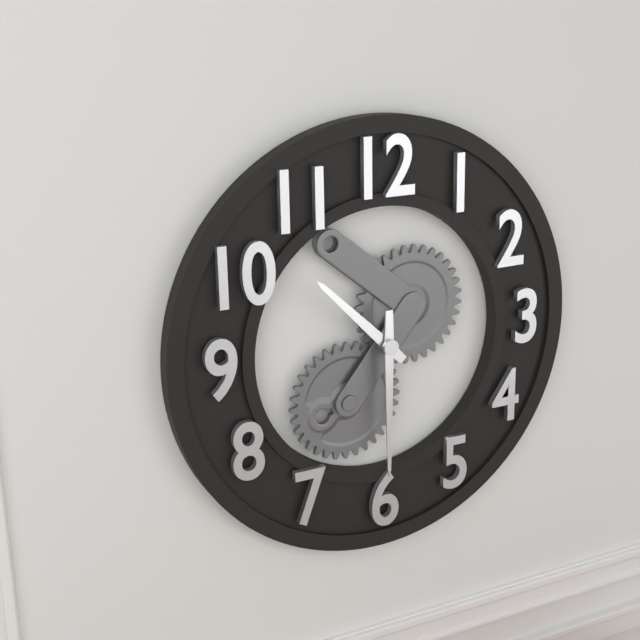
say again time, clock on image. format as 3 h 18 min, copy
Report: 10 h 30 min
